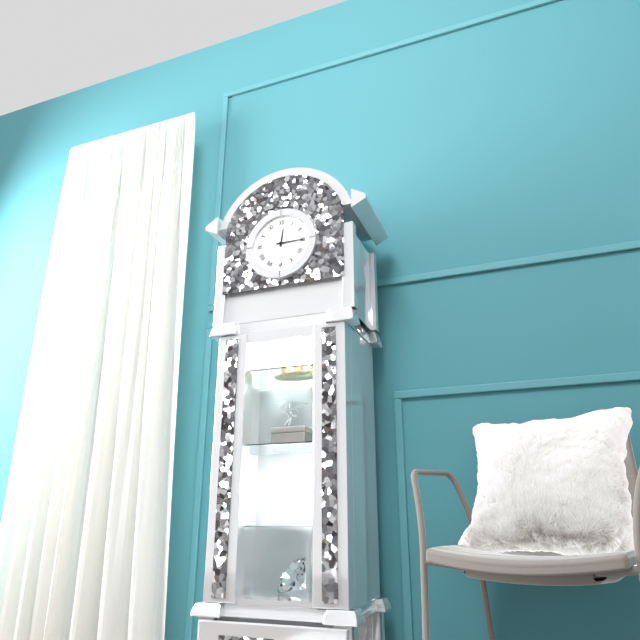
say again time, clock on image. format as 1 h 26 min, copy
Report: 12 h 15 min
